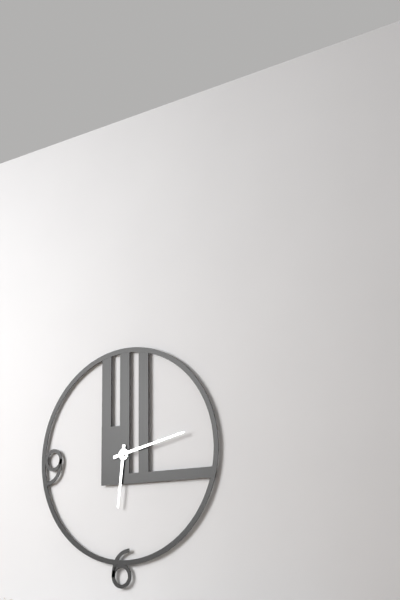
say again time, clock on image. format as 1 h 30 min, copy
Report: 6 h 13 min
